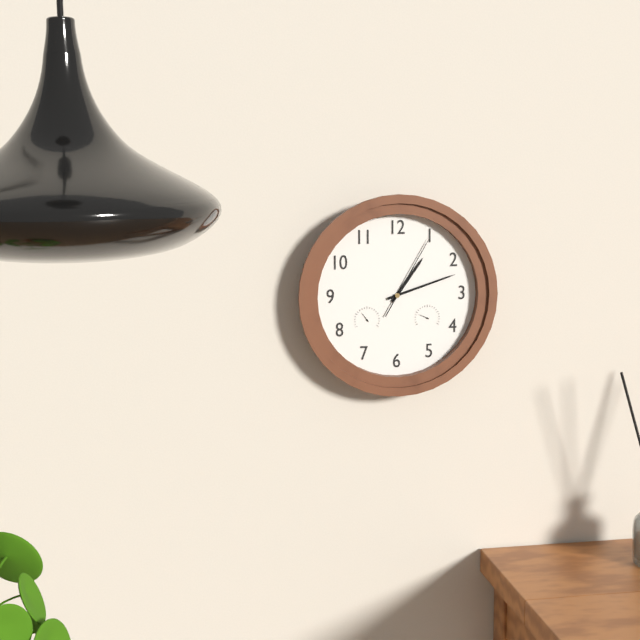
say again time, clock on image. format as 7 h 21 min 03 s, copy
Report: 1 h 12 min 05 s
